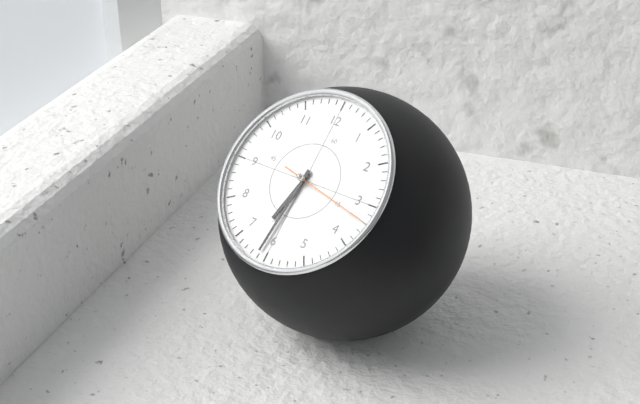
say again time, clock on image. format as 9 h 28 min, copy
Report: 6 h 31 min
